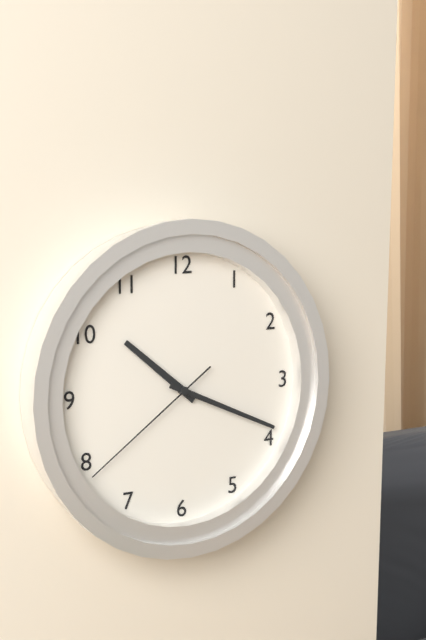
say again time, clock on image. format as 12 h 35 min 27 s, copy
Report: 10 h 19 min 39 s
